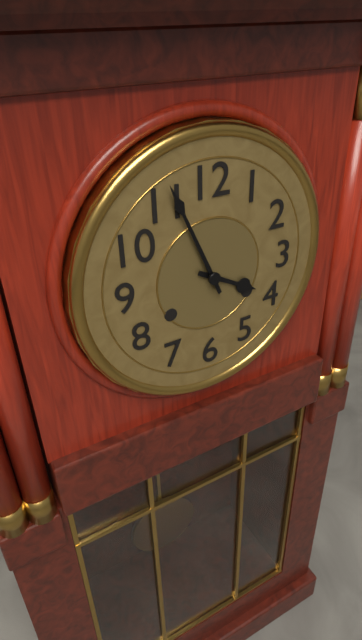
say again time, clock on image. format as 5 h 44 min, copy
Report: 3 h 56 min
